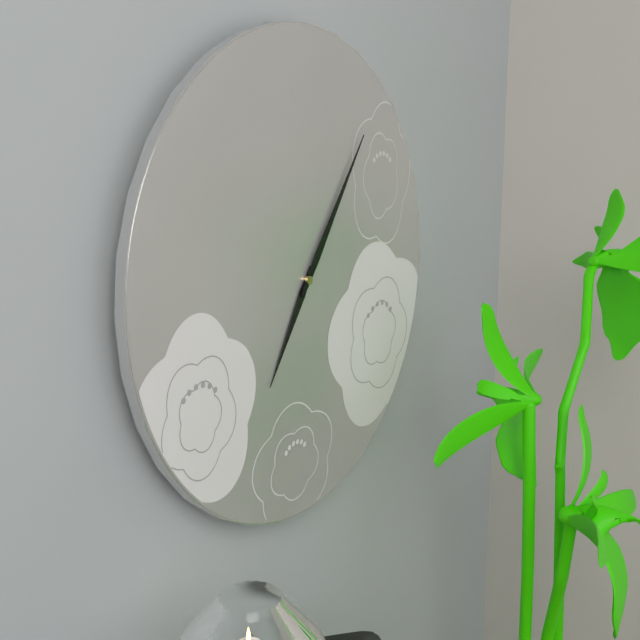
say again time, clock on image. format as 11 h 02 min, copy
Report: 7 h 06 min
